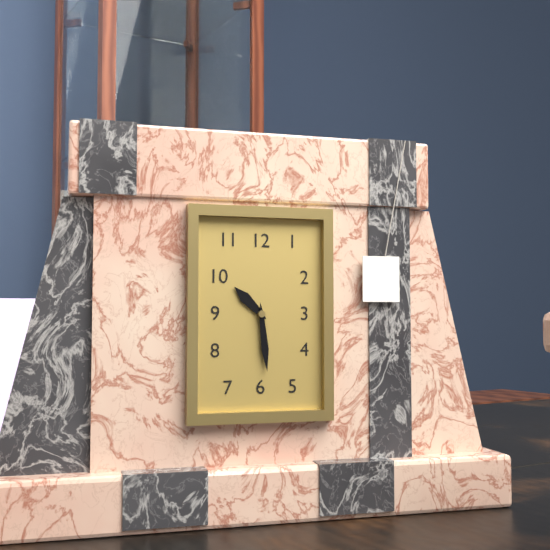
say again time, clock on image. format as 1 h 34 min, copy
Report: 10 h 29 min
